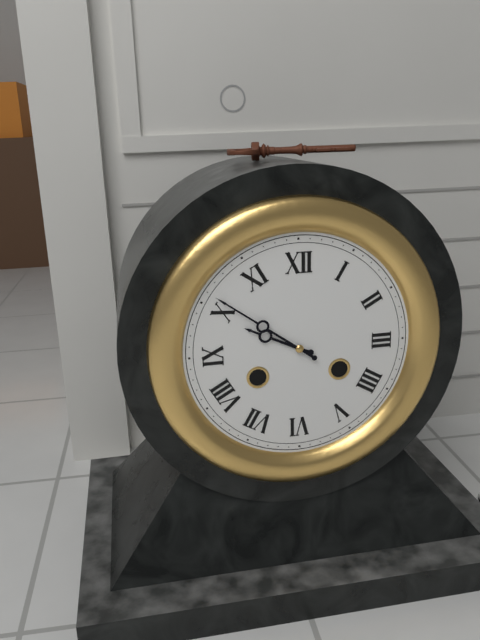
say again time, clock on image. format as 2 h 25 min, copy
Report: 9 h 51 min
